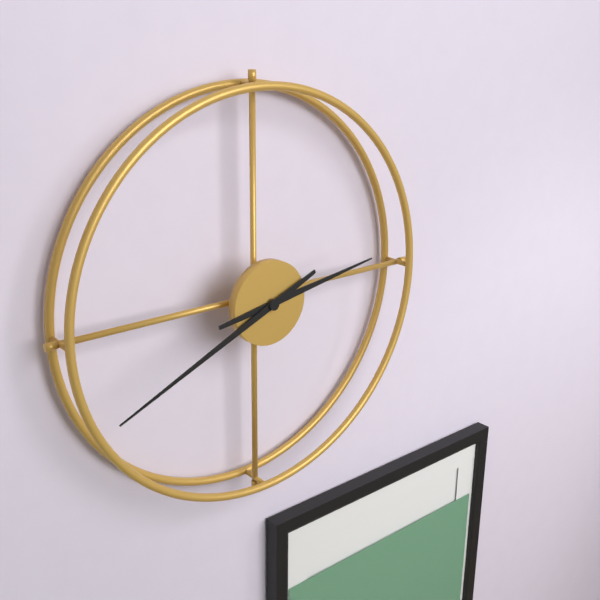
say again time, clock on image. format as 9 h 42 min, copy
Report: 2 h 41 min
